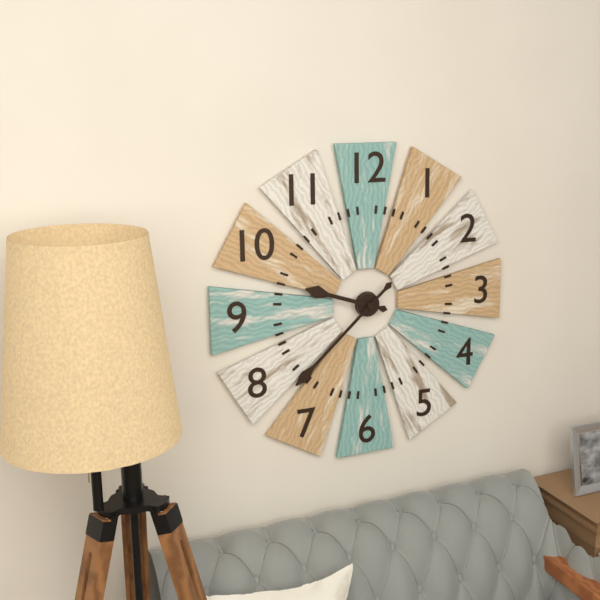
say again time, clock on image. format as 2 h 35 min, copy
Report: 9 h 38 min
